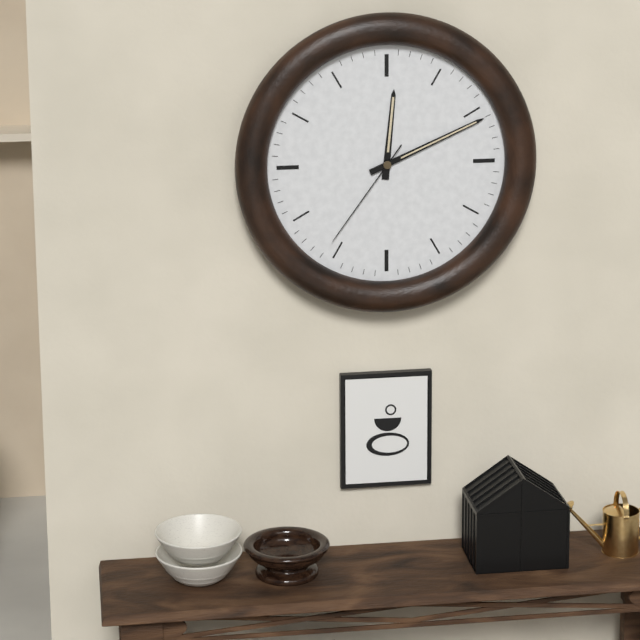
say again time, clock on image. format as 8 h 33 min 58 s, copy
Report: 12 h 11 min 36 s
